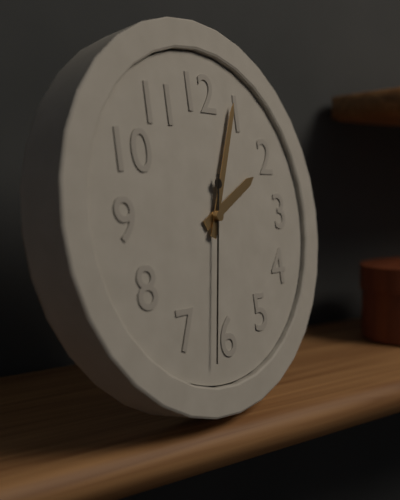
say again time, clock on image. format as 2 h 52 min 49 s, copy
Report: 2 h 04 min 32 s
